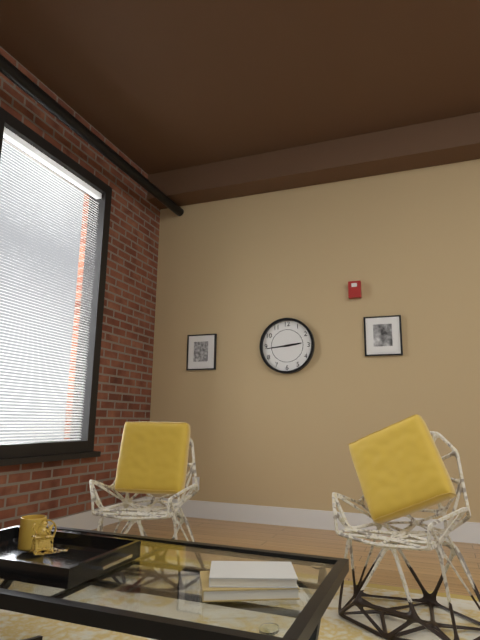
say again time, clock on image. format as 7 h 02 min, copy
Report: 2 h 44 min
